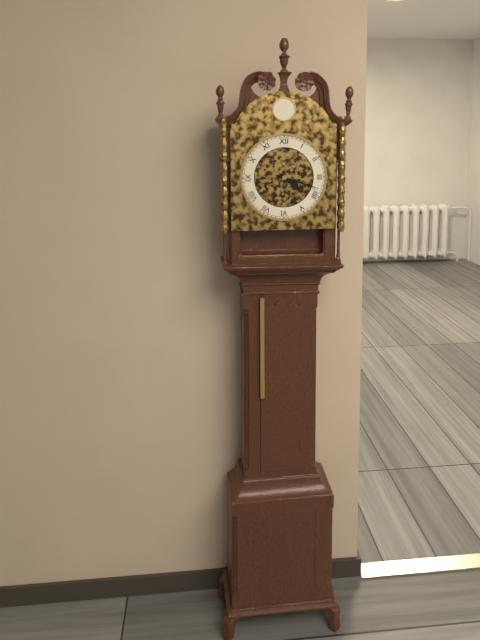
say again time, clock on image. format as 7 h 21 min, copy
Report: 4 h 18 min
